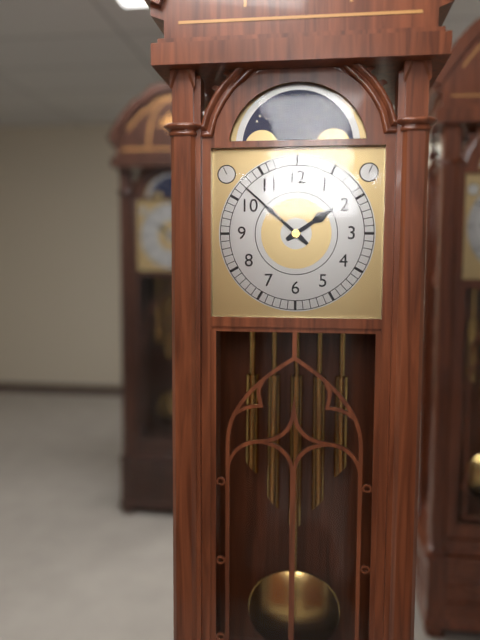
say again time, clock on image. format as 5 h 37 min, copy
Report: 1 h 52 min
